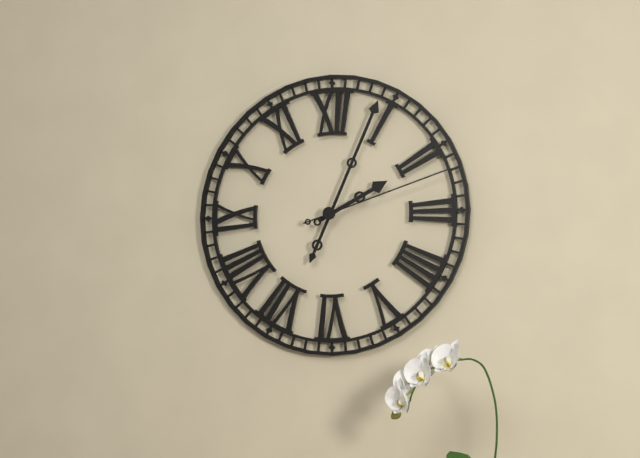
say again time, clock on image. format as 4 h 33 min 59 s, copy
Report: 2 h 04 min 12 s
